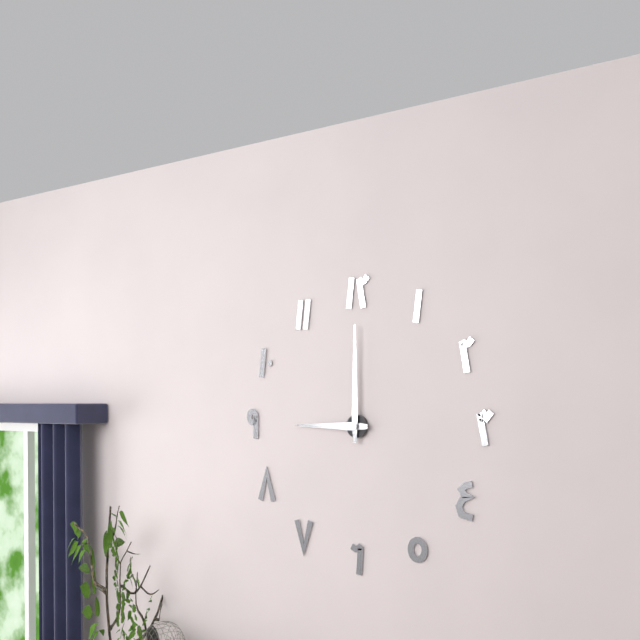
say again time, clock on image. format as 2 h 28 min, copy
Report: 9 h 00 min
